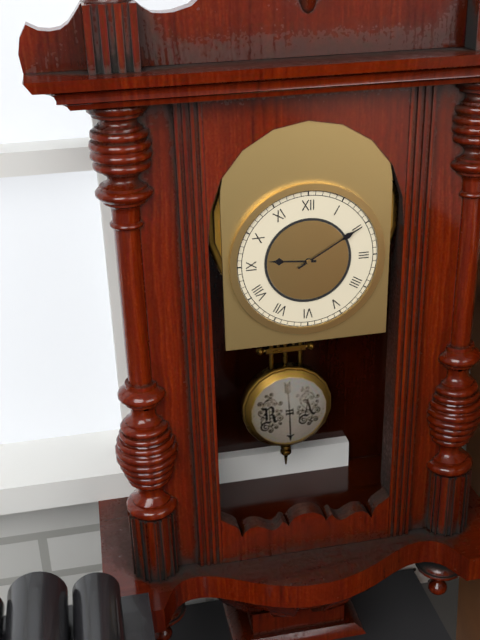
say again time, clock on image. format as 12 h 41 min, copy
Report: 9 h 10 min
